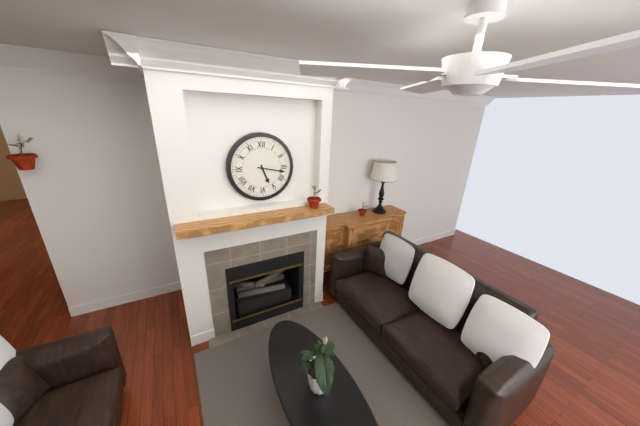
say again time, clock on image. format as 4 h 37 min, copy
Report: 5 h 17 min
